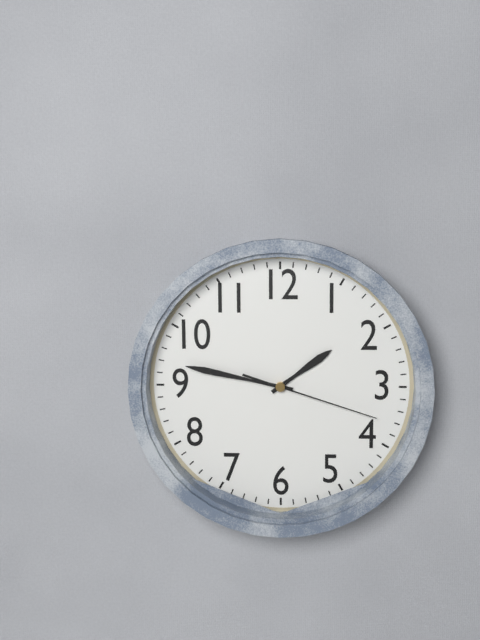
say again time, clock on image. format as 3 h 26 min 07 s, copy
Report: 1 h 47 min 18 s
